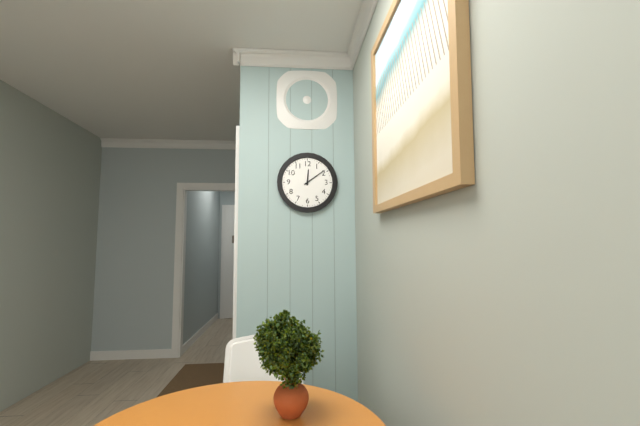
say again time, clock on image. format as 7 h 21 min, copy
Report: 12 h 09 min
